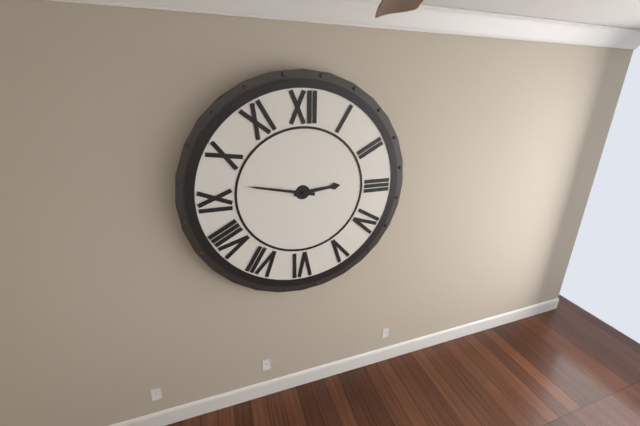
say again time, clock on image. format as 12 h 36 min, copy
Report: 2 h 47 min
